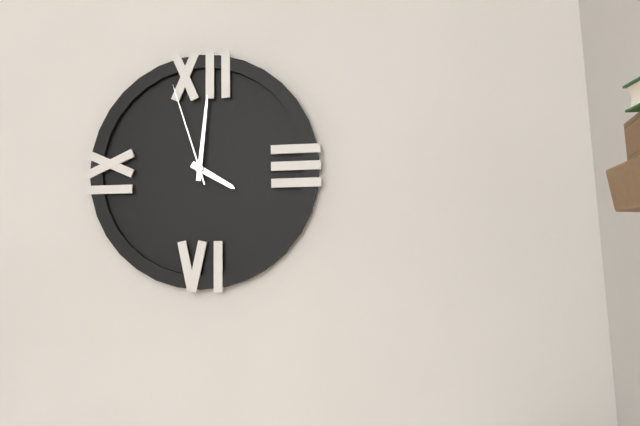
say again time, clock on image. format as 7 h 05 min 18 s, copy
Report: 4 h 01 min 57 s
